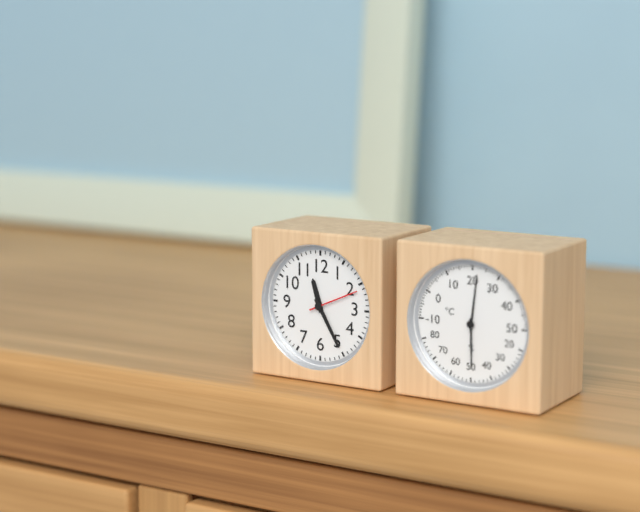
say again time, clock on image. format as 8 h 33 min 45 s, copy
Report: 11 h 25 min 11 s
